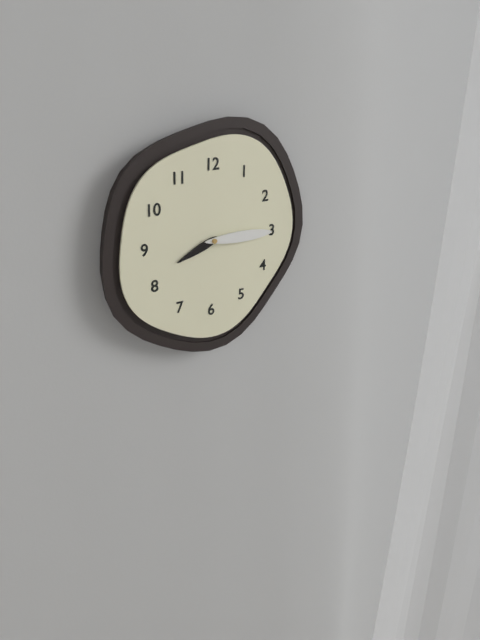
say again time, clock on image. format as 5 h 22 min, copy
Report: 8 h 15 min
